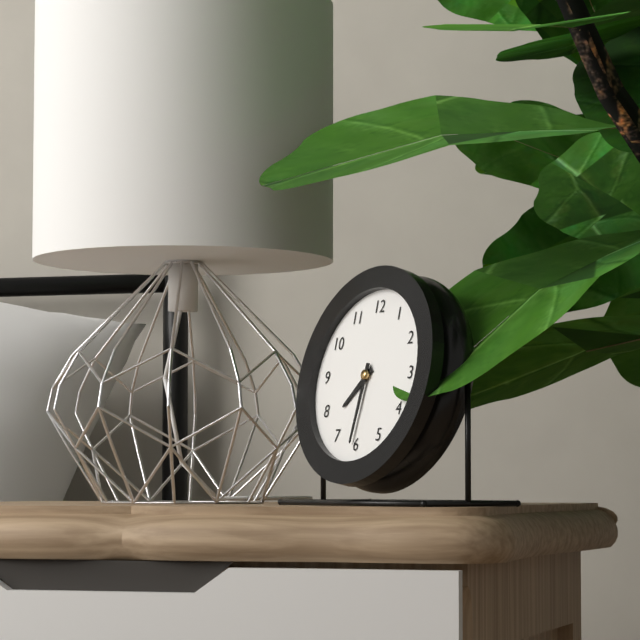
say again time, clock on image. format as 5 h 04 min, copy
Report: 7 h 31 min
